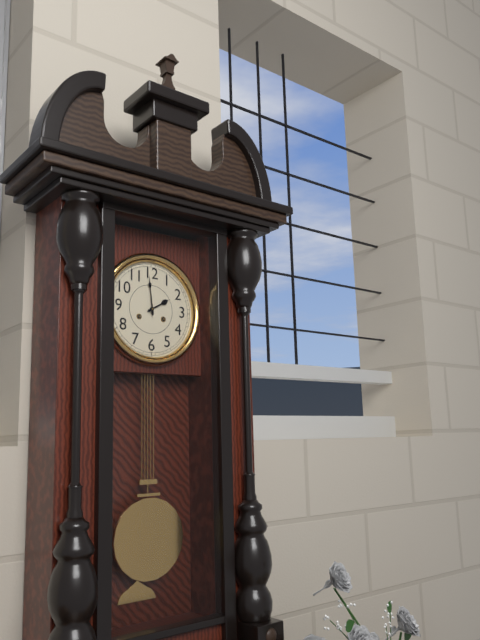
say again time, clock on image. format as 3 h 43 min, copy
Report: 1 h 59 min
